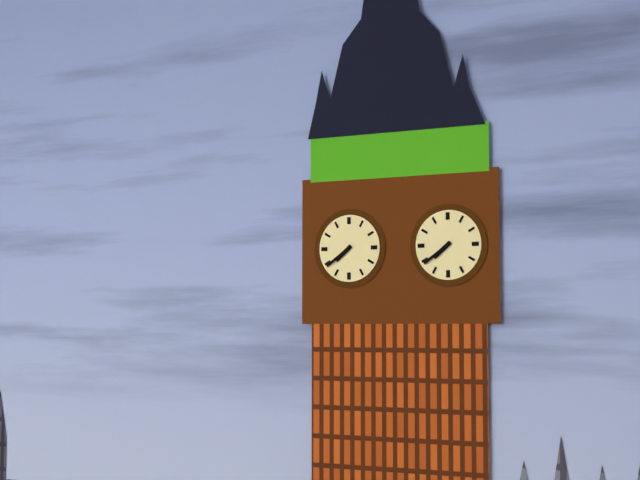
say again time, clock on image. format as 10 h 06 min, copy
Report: 7 h 39 min
